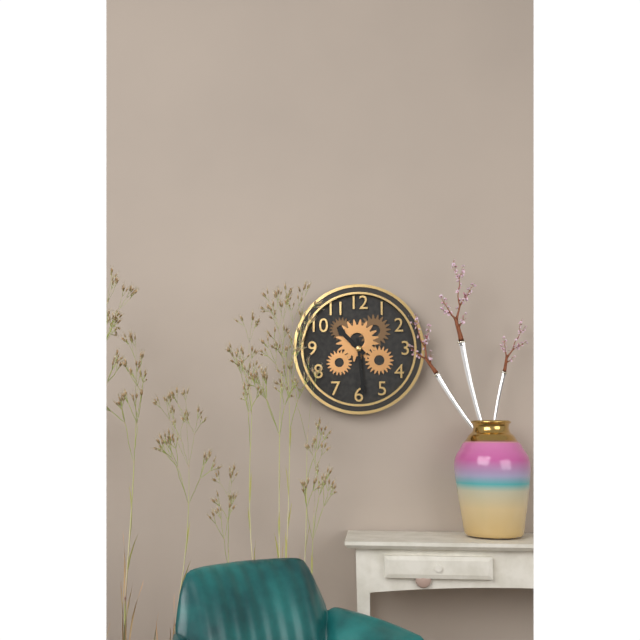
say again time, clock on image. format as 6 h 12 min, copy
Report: 10 h 29 min
